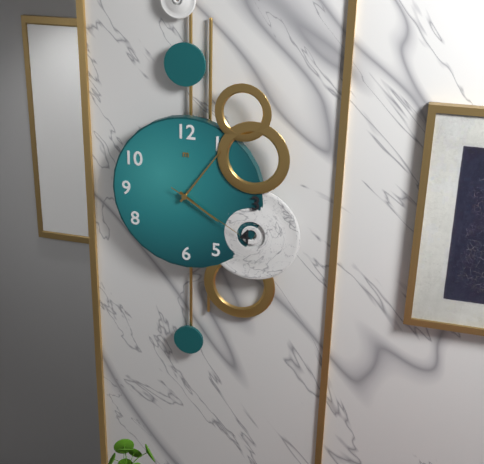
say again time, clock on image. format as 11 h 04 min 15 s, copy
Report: 4 h 06 min 20 s
